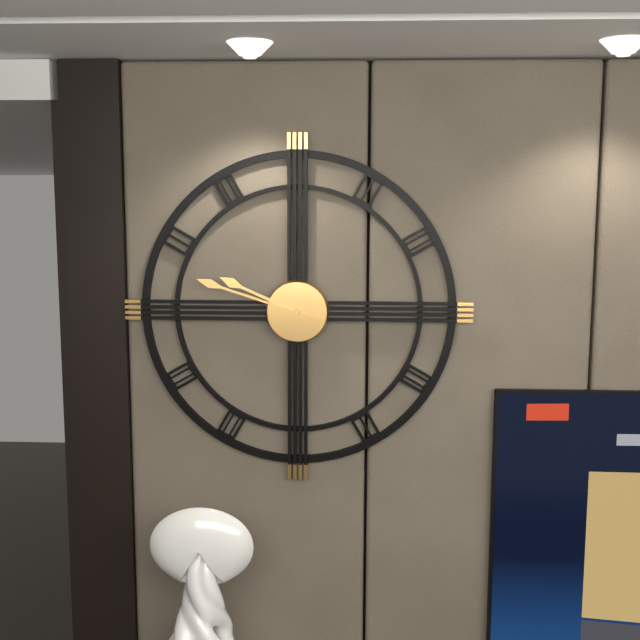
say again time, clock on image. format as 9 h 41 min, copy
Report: 9 h 48 min
